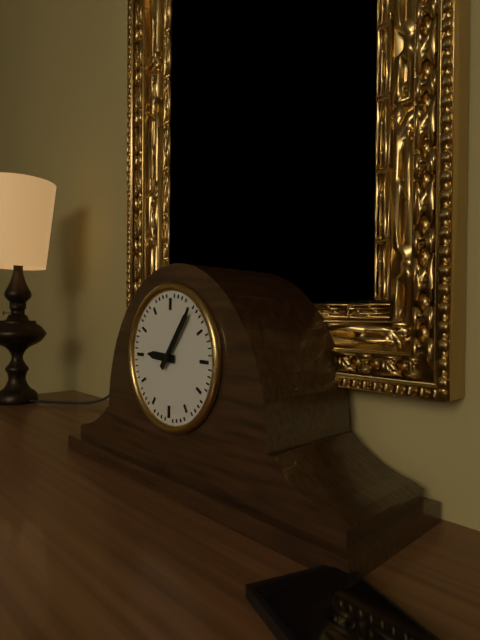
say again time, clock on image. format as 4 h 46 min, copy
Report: 9 h 06 min
